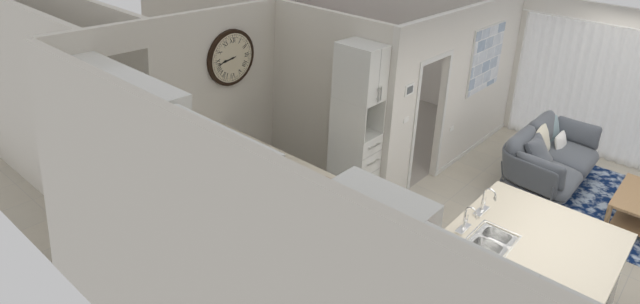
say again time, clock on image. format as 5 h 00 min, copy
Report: 8 h 43 min
